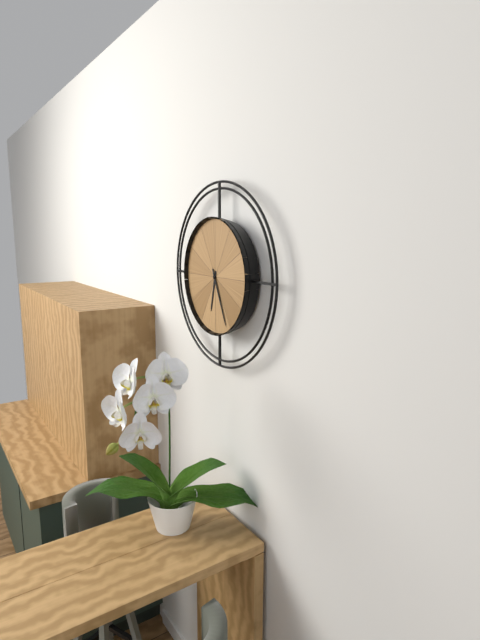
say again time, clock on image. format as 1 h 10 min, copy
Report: 6 h 26 min
